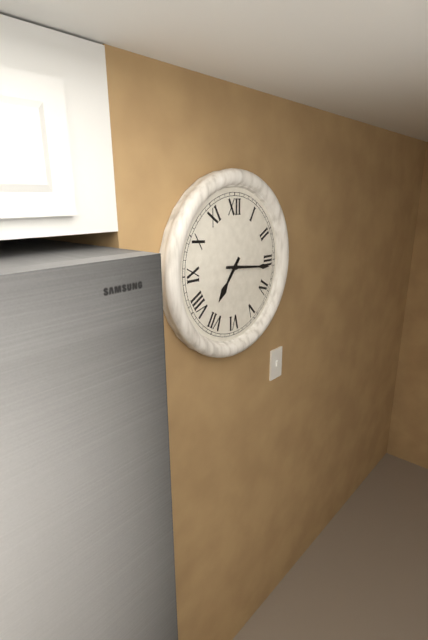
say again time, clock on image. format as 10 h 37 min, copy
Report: 7 h 16 min
